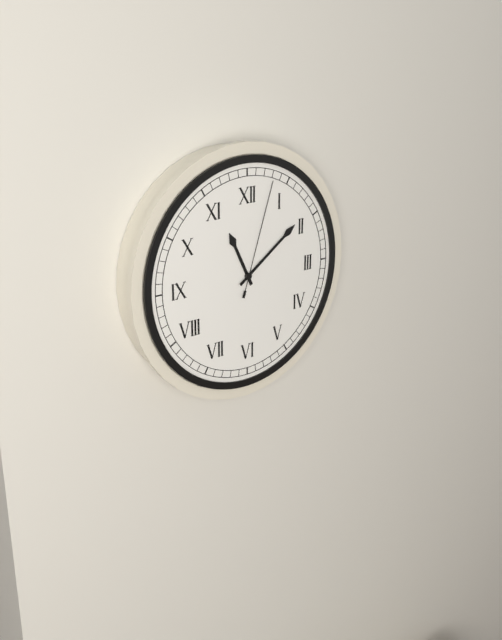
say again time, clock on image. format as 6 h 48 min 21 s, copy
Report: 11 h 09 min 03 s
